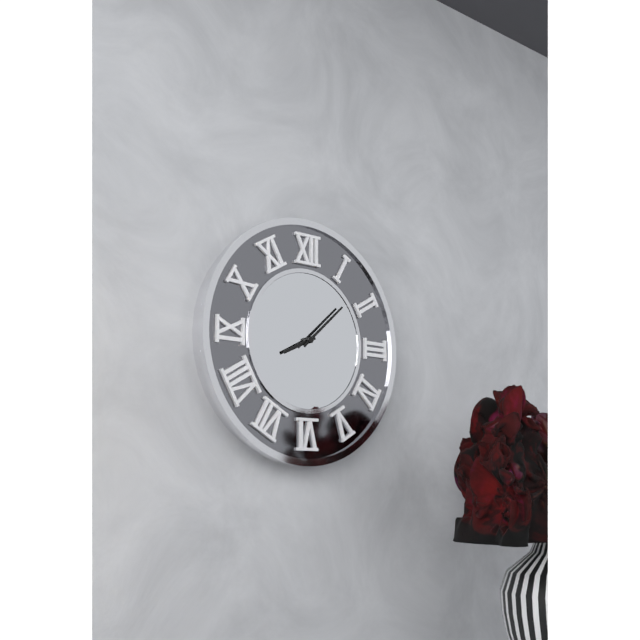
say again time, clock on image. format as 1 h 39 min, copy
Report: 8 h 08 min
